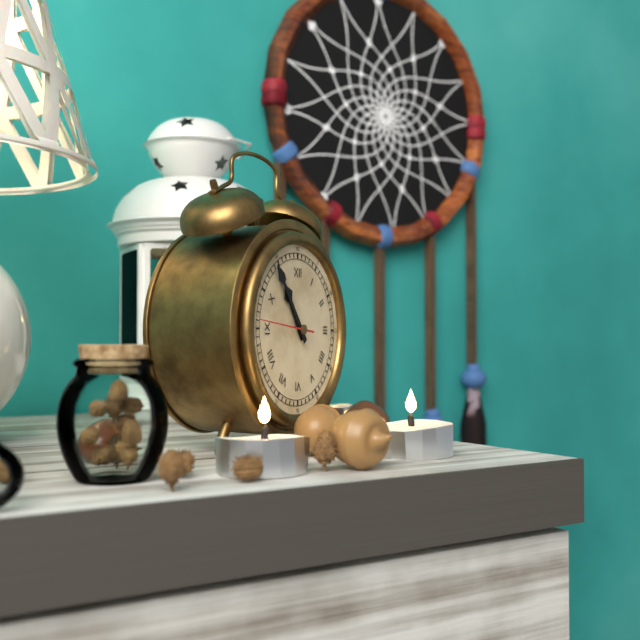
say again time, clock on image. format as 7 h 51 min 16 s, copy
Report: 10 h 54 min 46 s
